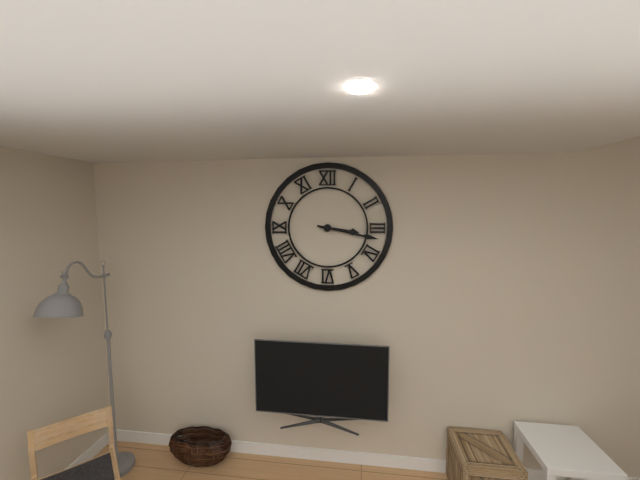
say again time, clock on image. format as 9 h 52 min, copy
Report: 3 h 17 min
